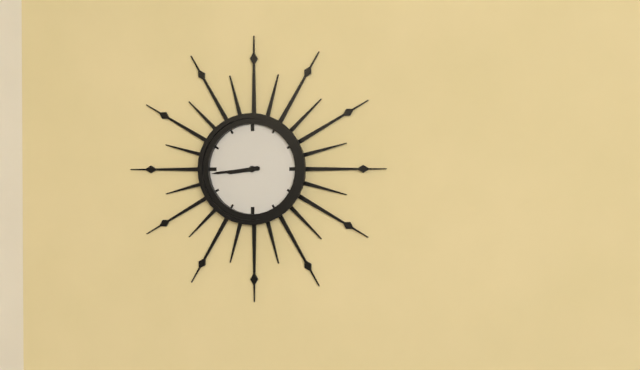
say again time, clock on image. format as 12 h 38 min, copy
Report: 8 h 44 min
